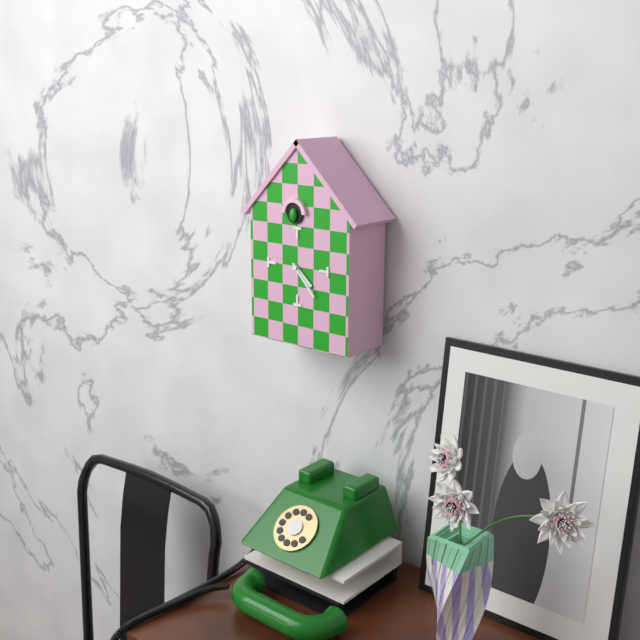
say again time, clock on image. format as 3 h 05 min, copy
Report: 4 h 23 min
